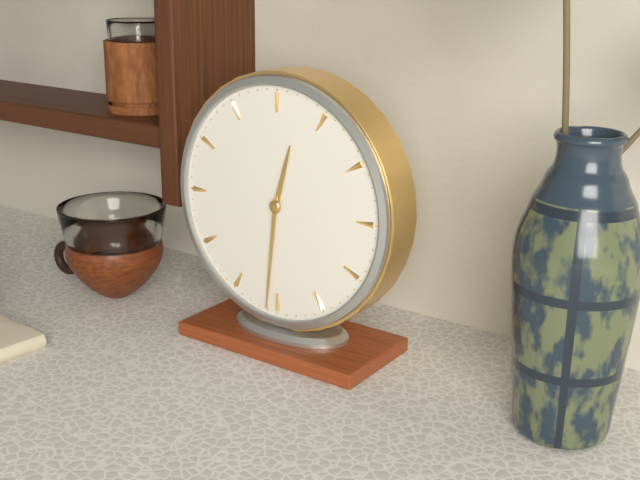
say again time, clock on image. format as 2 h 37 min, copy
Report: 12 h 31 min
